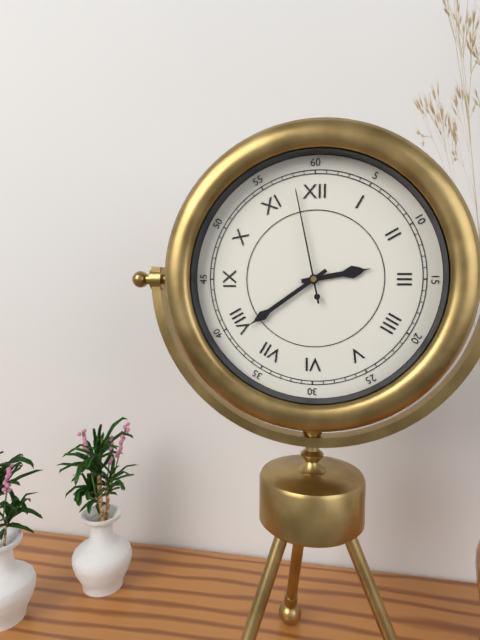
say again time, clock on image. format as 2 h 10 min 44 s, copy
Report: 2 h 39 min 58 s
